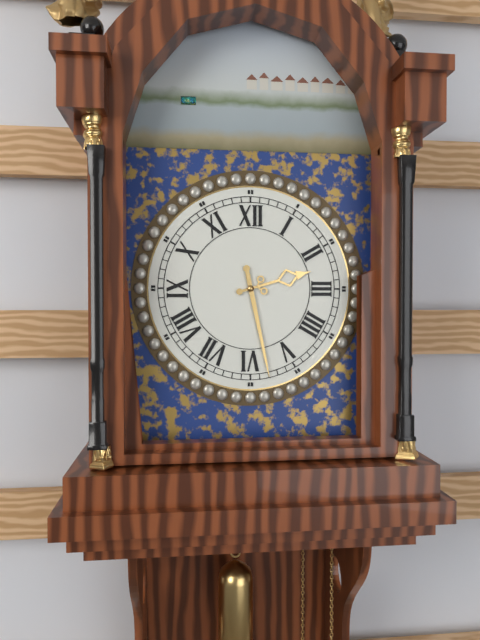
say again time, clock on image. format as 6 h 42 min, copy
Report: 2 h 28 min
